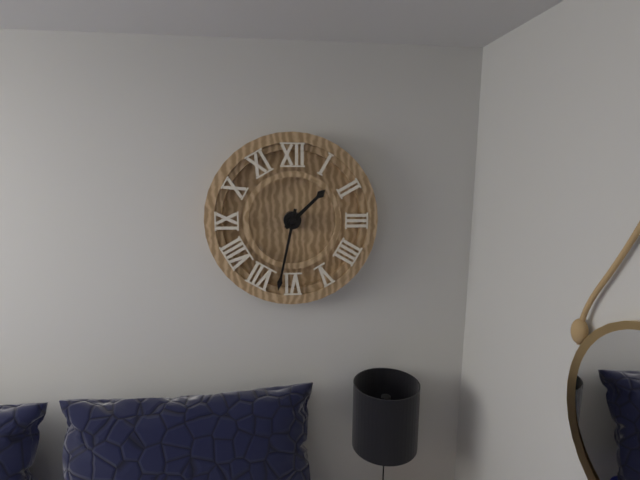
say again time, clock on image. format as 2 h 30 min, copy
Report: 1 h 32 min
